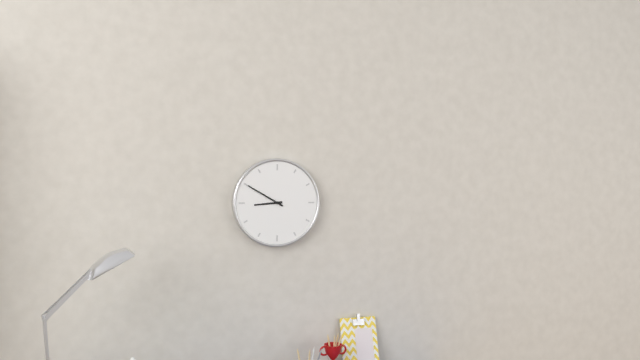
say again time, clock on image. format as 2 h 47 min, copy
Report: 8 h 50 min
